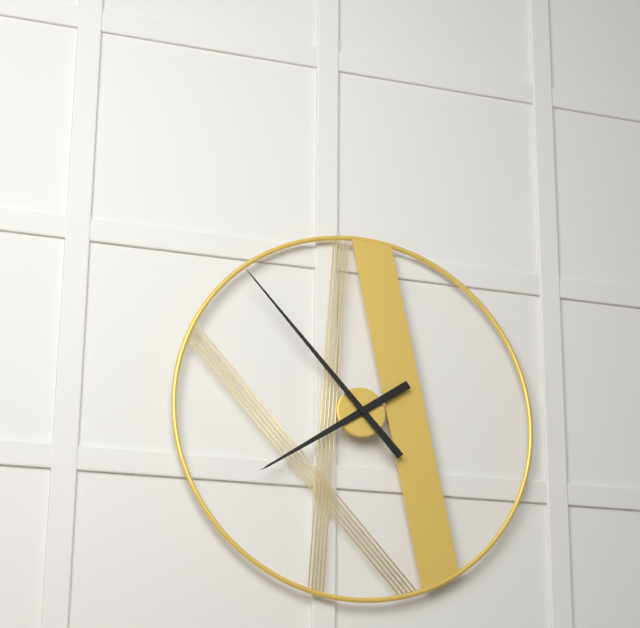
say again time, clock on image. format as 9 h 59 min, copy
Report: 7 h 53 min
